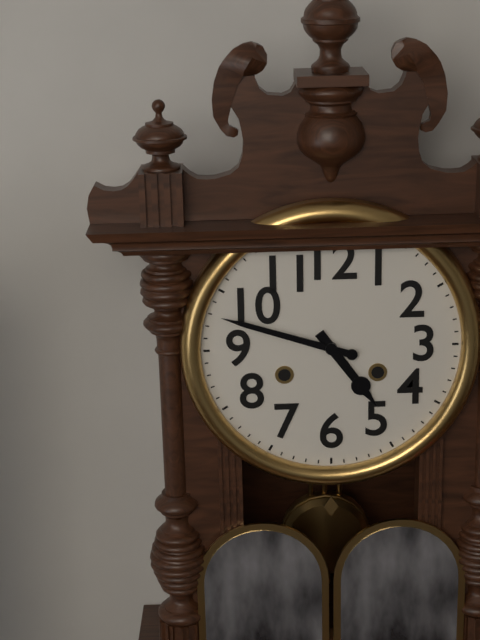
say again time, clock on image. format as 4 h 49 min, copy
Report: 4 h 48 min
